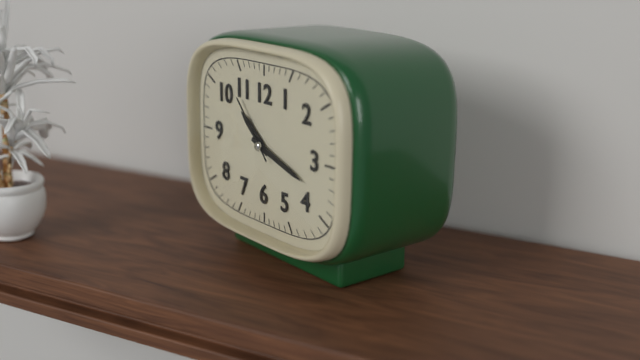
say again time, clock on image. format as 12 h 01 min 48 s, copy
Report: 10 h 18 min 53 s
